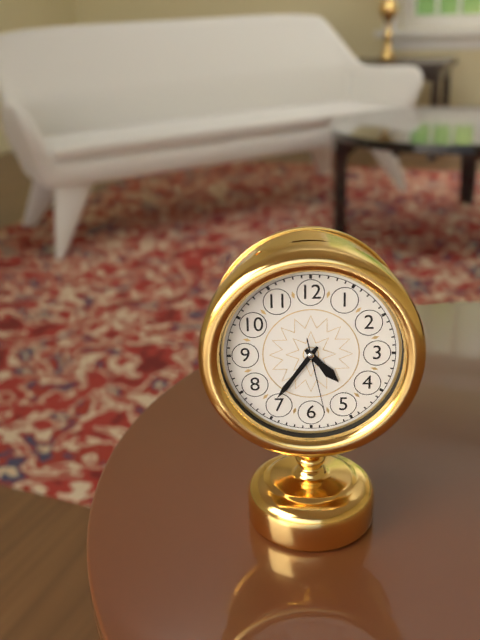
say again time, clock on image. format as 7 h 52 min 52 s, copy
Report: 4 h 36 min 28 s
